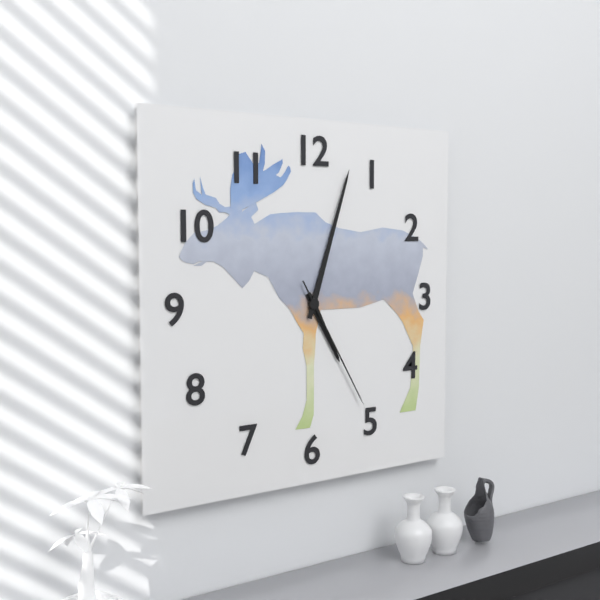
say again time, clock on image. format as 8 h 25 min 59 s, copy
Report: 5 h 03 min 25 s
